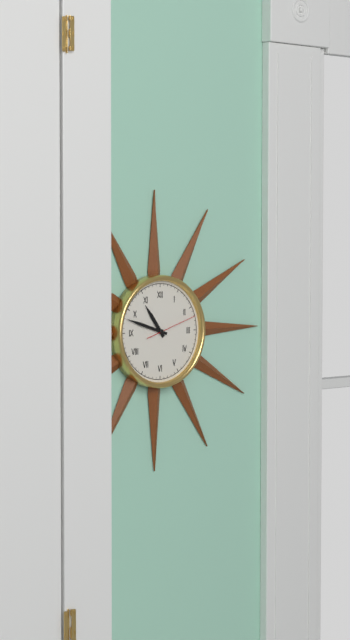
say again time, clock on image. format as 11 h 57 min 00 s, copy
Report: 10 h 48 min 12 s
